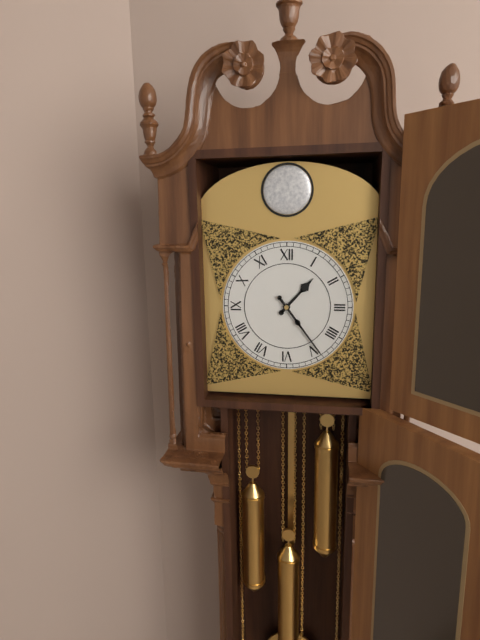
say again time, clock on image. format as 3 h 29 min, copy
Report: 1 h 24 min
